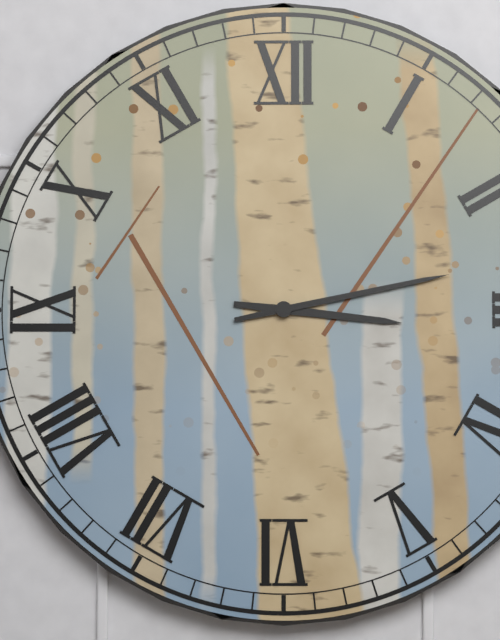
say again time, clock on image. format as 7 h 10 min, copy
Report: 3 h 13 min
